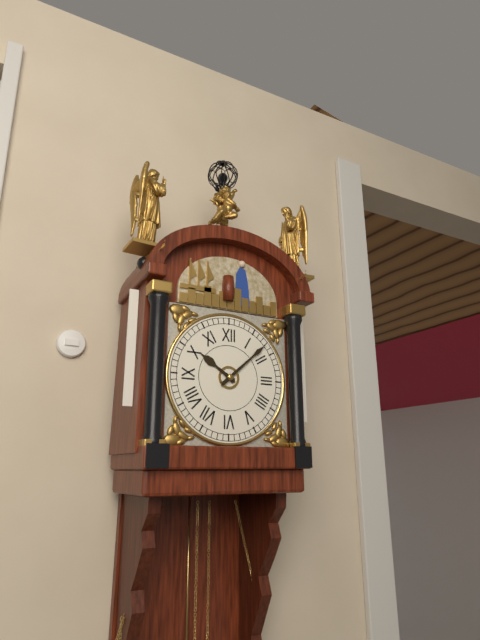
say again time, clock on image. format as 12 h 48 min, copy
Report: 10 h 08 min
